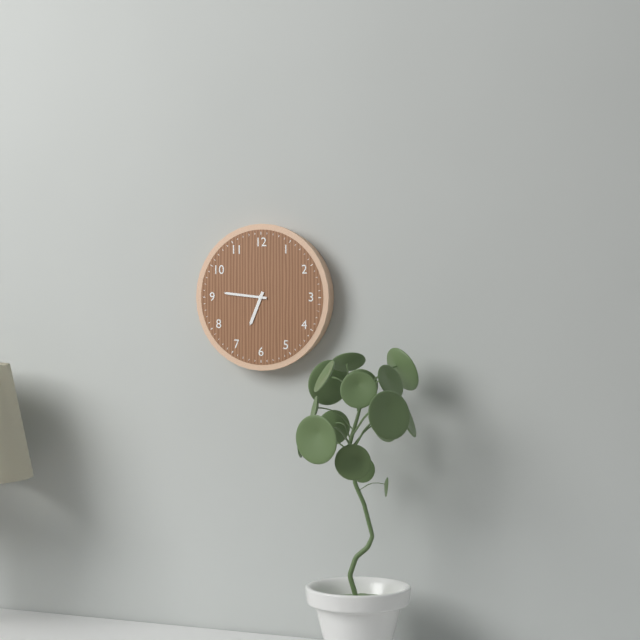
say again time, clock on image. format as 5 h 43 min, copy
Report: 6 h 46 min
